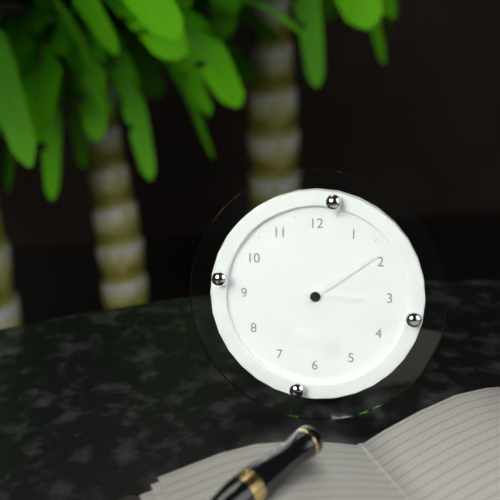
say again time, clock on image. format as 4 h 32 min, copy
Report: 3 h 09 min
